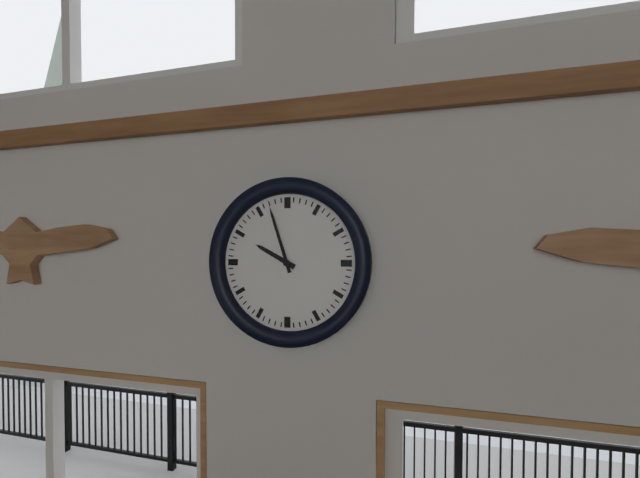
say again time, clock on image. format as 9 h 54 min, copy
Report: 9 h 57 min
